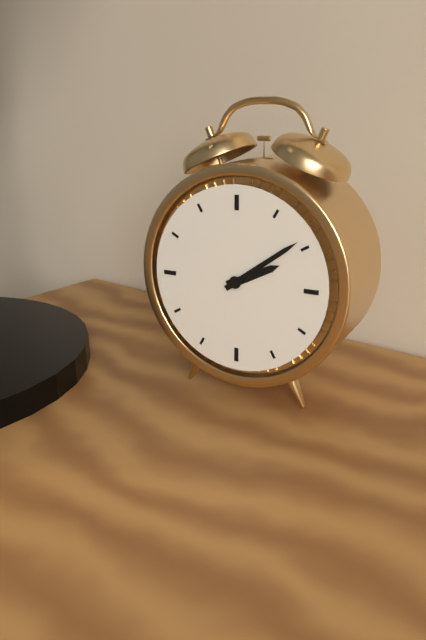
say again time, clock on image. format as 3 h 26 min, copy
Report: 2 h 09 min
